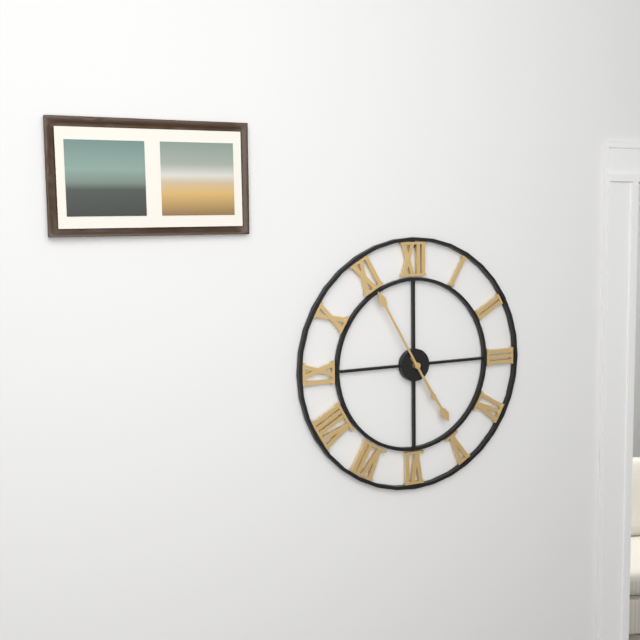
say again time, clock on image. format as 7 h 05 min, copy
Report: 4 h 55 min
